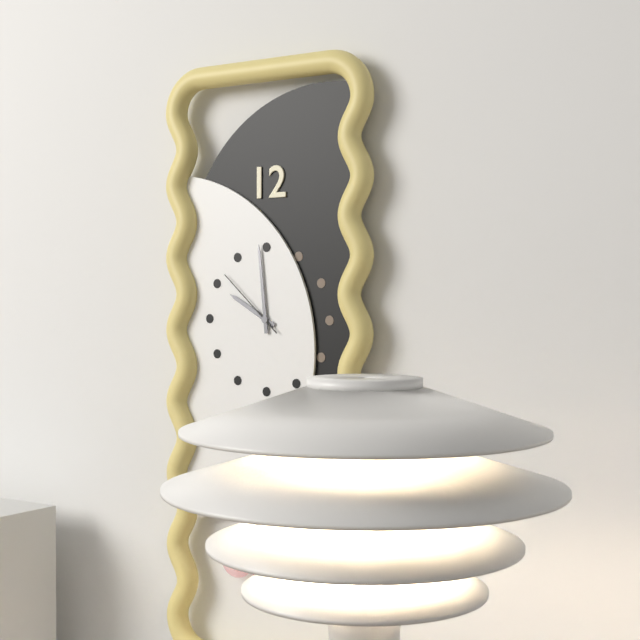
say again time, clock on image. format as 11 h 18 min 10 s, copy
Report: 9 h 59 min 52 s
